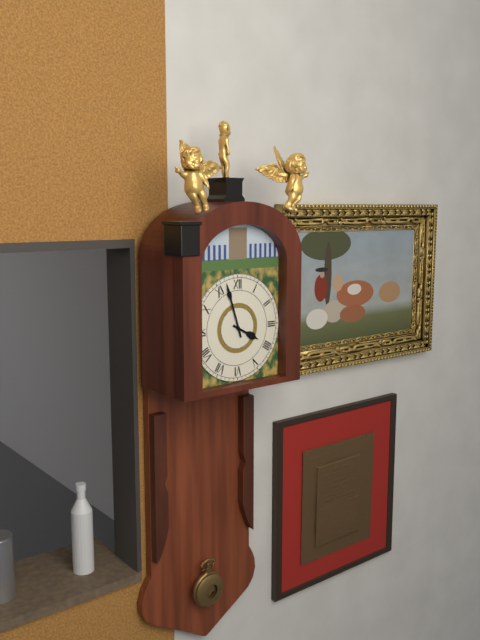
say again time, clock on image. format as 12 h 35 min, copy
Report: 3 h 57 min
